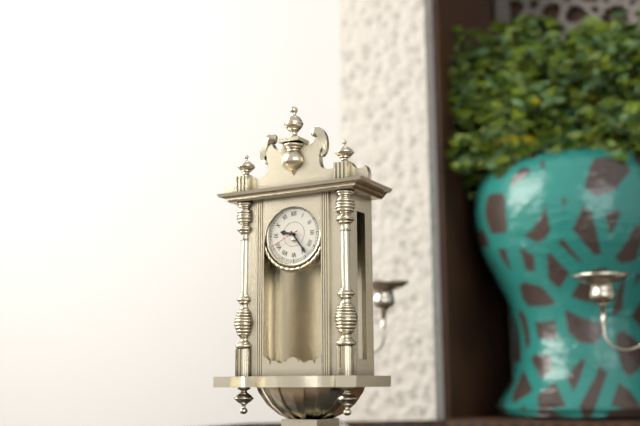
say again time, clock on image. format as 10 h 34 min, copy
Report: 9 h 24 min
